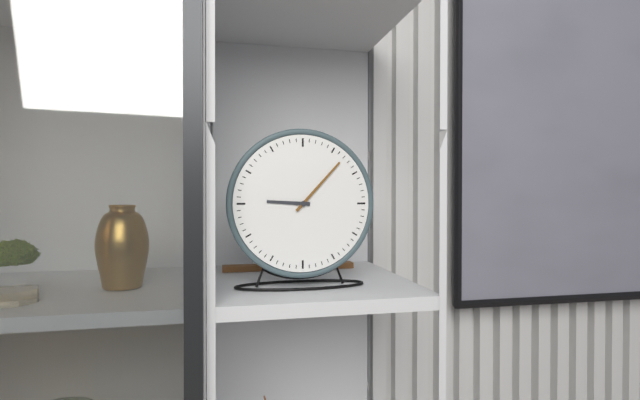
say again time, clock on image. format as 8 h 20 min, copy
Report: 9 h 07 min
